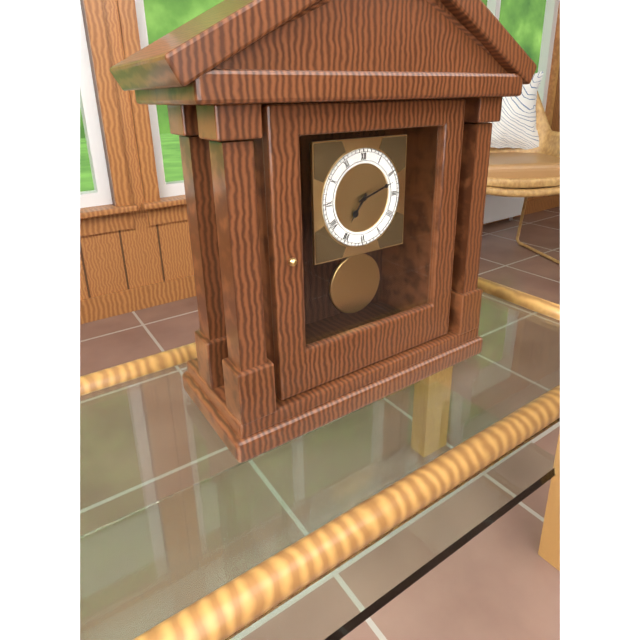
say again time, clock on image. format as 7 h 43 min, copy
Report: 7 h 12 min
